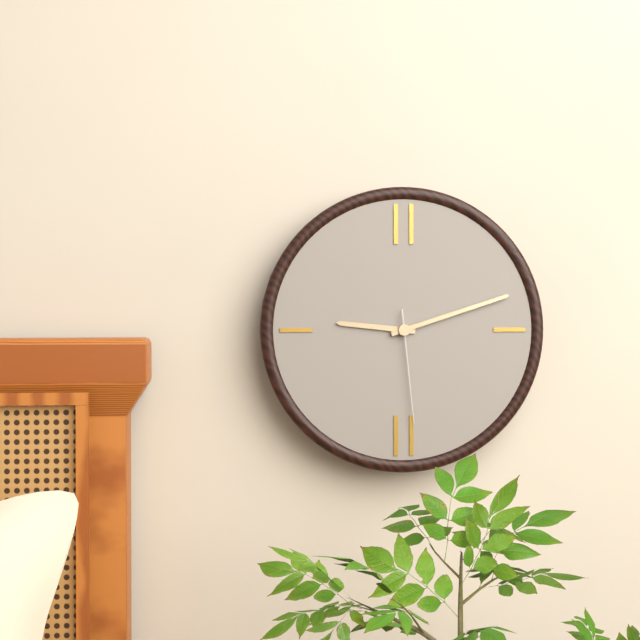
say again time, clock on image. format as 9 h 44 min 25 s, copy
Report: 9 h 12 min 29 s
